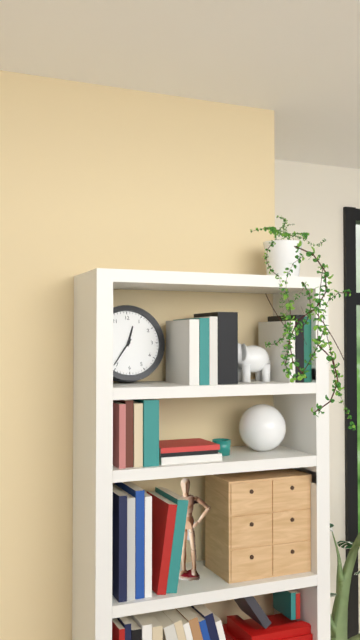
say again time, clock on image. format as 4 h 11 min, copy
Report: 12 h 36 min
